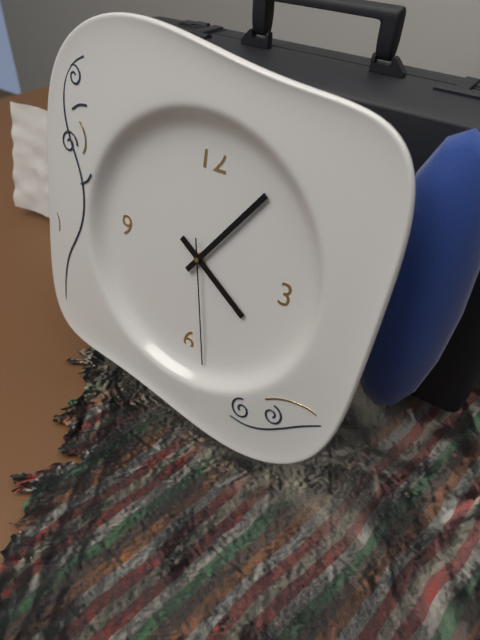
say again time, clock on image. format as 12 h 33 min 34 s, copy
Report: 4 h 06 min 28 s
